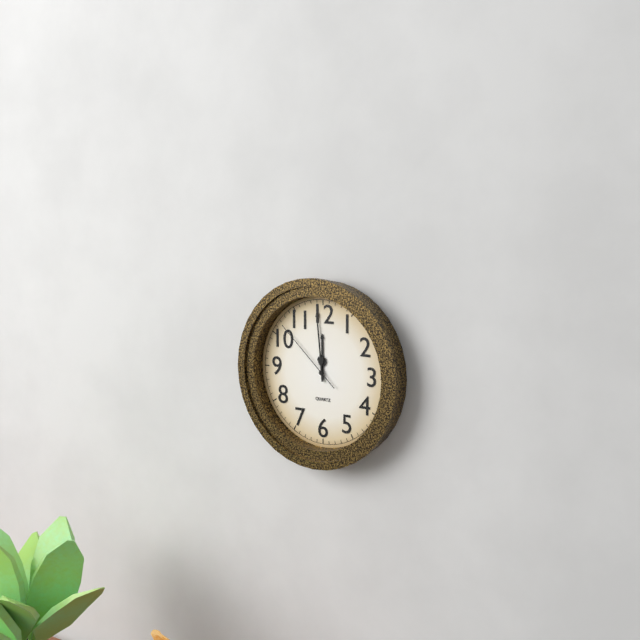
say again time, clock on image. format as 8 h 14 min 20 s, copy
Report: 11 h 59 min 52 s
